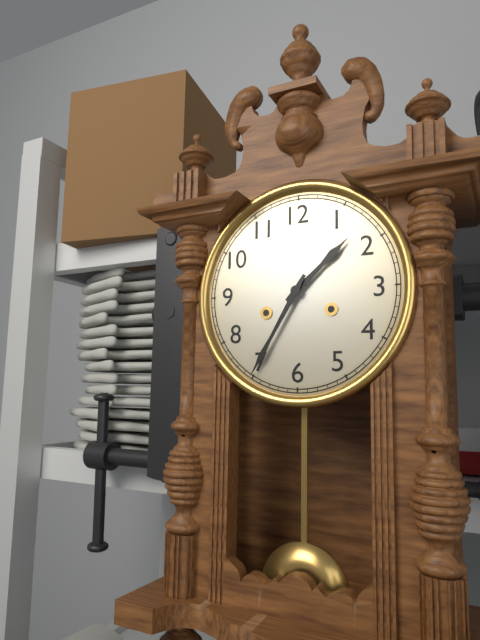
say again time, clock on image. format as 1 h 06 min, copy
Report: 1 h 35 min
